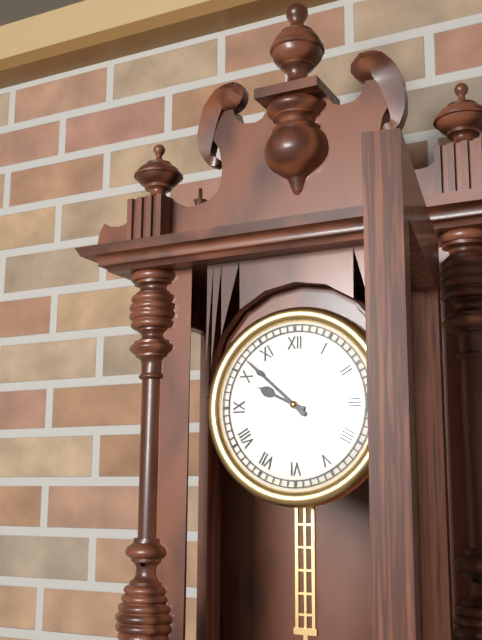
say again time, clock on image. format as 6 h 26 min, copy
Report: 9 h 52 min
